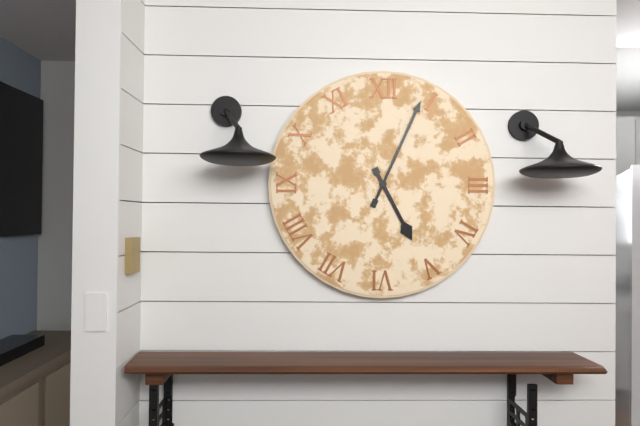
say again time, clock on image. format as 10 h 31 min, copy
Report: 5 h 04 min
